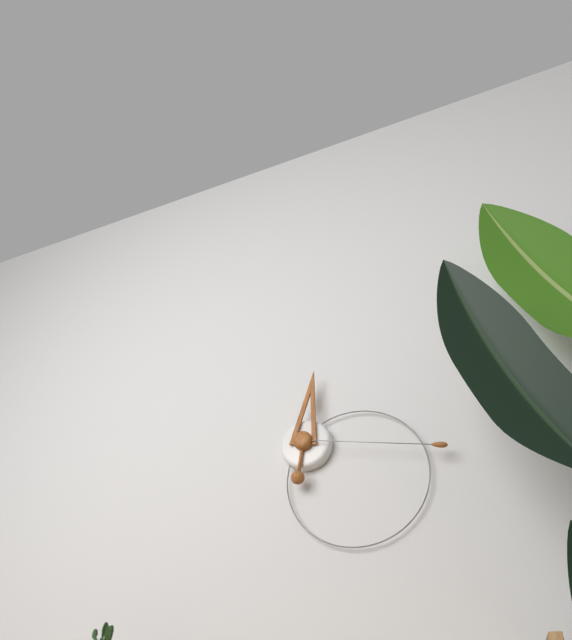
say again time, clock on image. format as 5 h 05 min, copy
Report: 12 h 17 min
